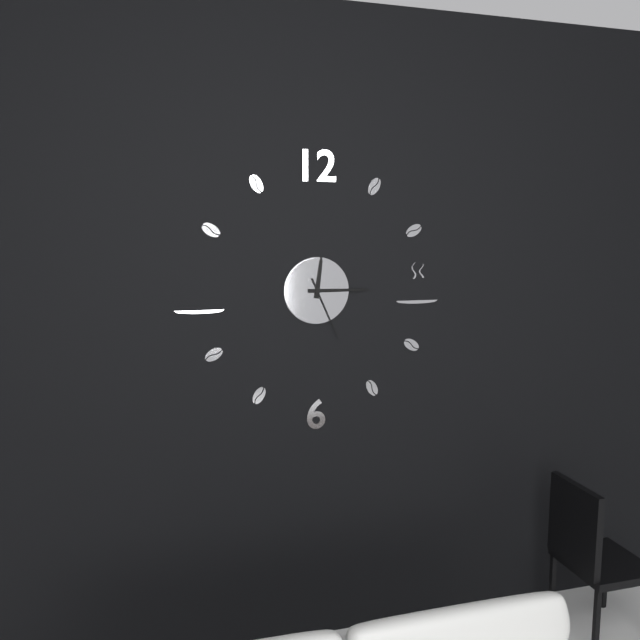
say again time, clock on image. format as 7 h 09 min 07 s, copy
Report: 12 h 15 min 26 s
